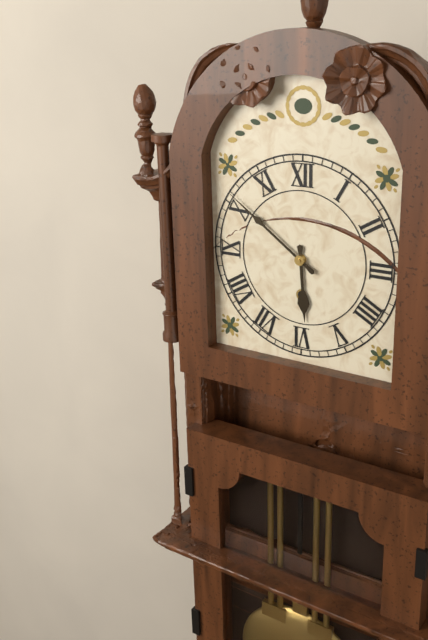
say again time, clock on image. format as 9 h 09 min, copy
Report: 5 h 51 min
